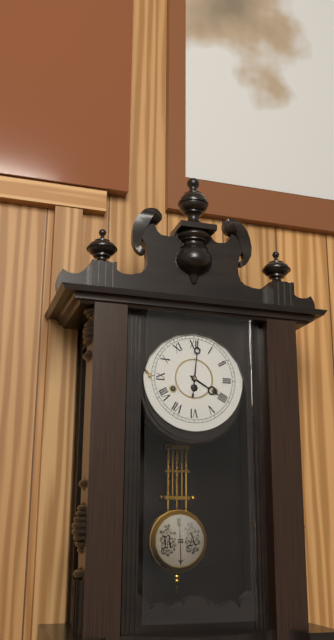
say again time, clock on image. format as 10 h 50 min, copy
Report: 4 h 01 min
